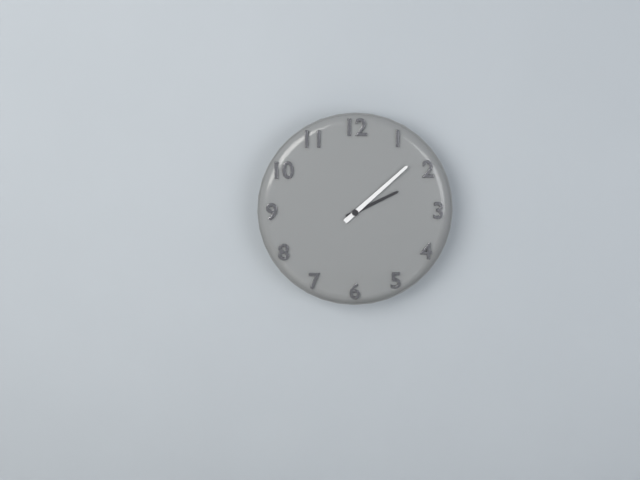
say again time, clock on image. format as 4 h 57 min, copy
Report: 2 h 08 min
